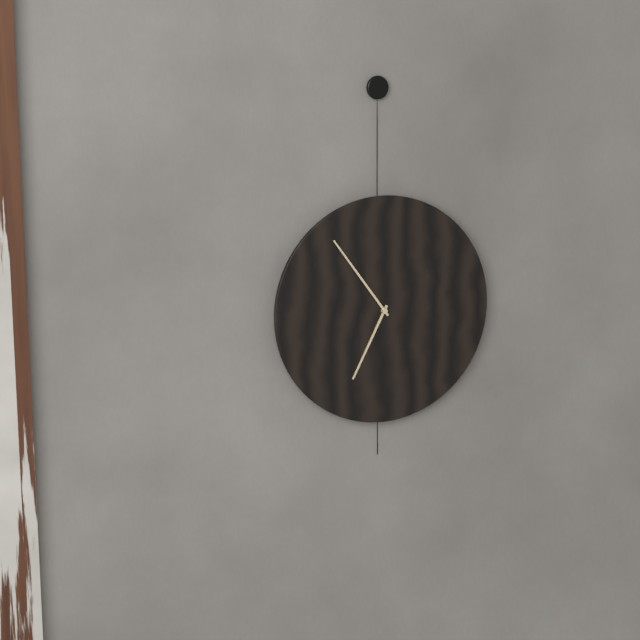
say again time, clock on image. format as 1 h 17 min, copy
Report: 6 h 54 min
